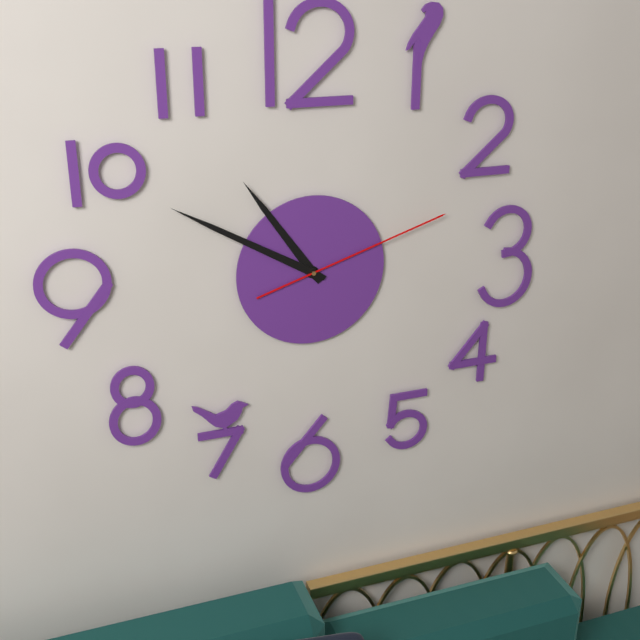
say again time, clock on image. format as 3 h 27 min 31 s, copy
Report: 10 h 50 min 12 s
